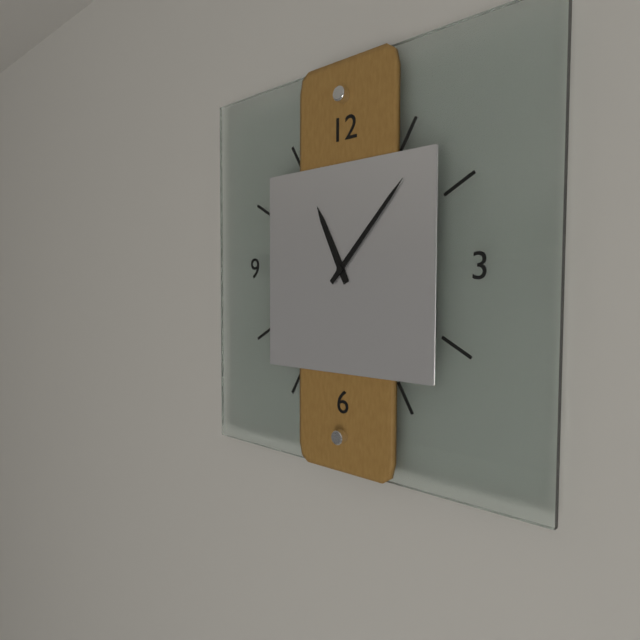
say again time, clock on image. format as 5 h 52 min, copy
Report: 11 h 07 min
